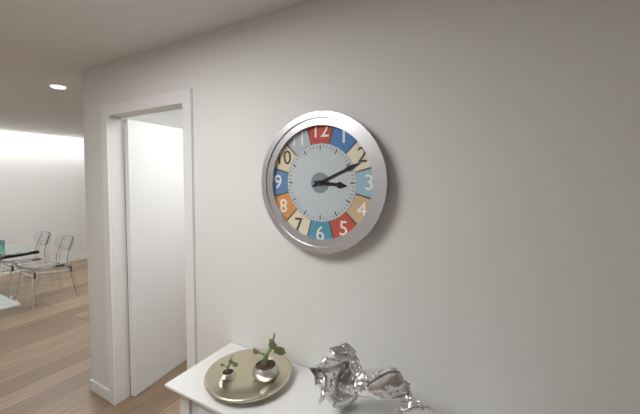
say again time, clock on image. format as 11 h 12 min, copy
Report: 3 h 11 min
